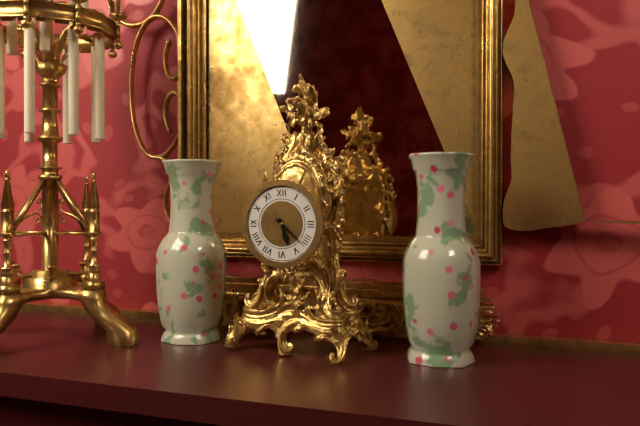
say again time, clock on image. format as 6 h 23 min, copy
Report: 5 h 22 min
